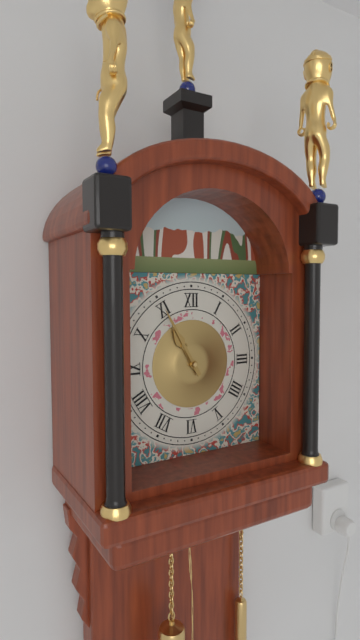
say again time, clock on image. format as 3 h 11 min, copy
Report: 10 h 55 min
